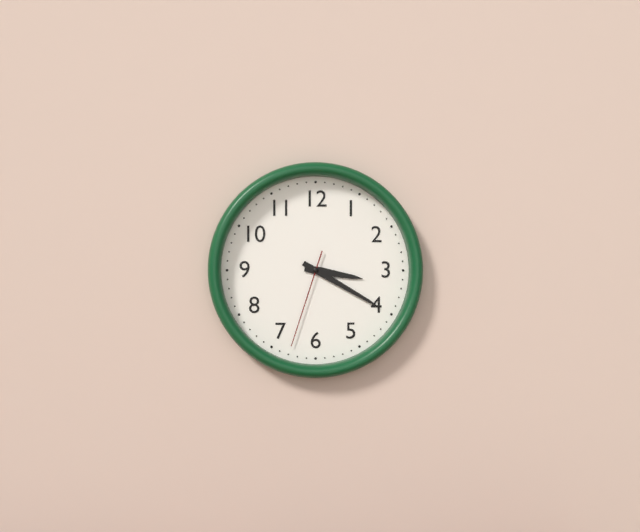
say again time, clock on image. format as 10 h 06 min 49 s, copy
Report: 3 h 20 min 33 s
